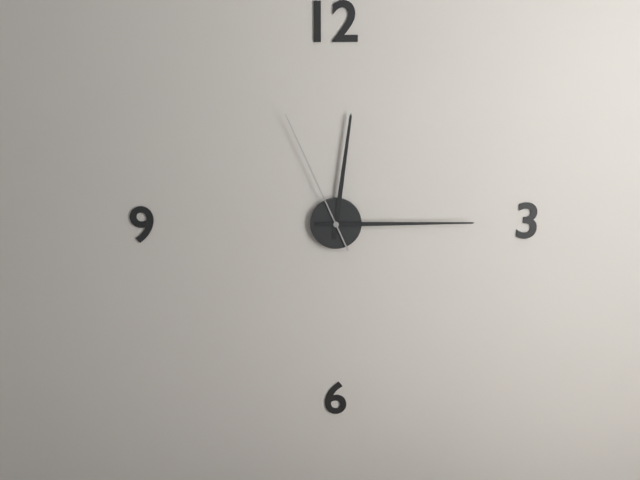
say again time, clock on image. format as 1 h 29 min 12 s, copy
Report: 12 h 15 min 56 s
